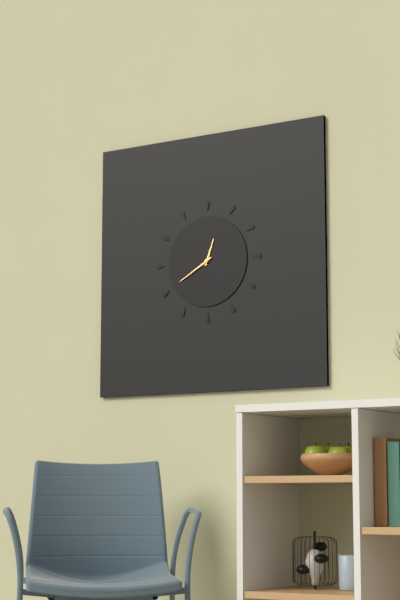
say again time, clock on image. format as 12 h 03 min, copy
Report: 12 h 40 min
